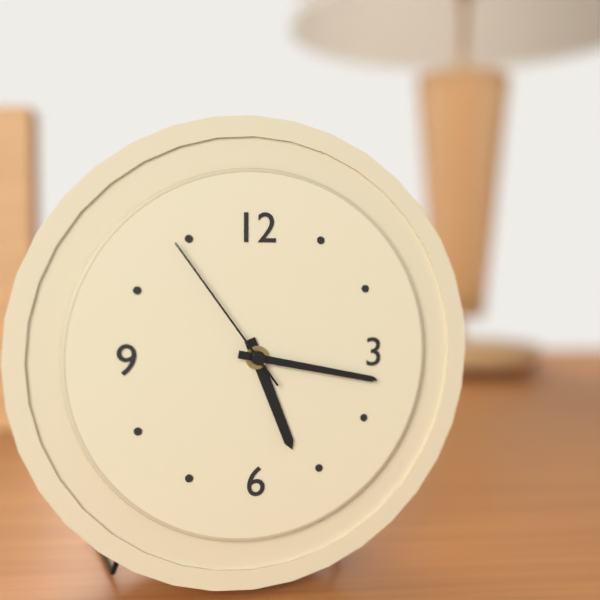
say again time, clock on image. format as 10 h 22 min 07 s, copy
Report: 5 h 17 min 54 s
